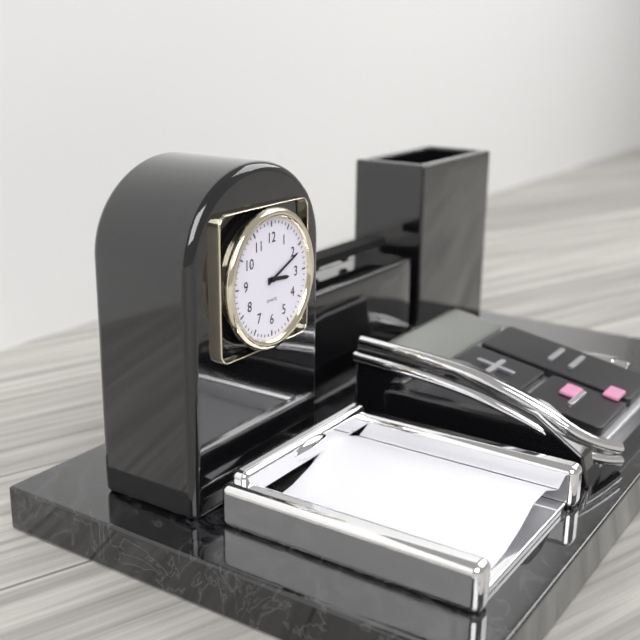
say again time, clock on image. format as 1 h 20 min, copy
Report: 3 h 11 min
